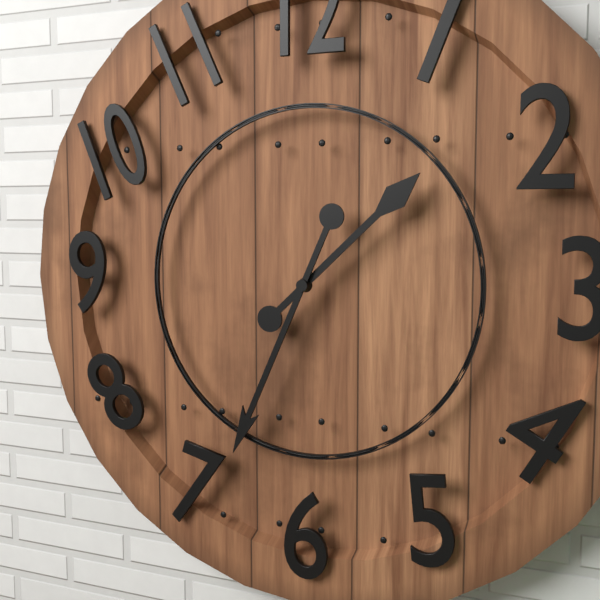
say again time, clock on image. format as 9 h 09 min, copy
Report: 1 h 34 min
